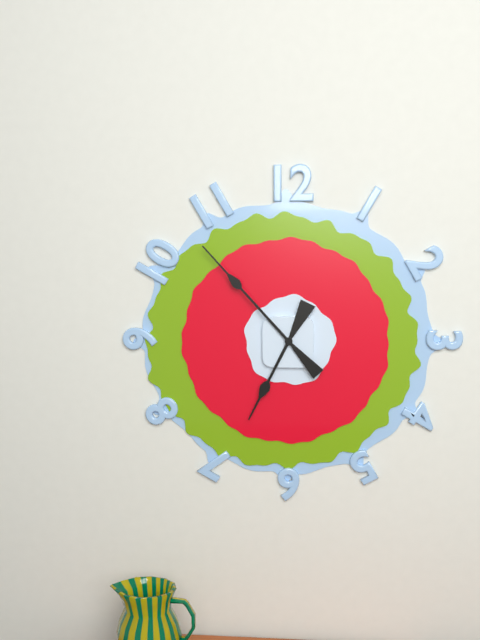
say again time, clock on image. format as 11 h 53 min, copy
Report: 6 h 53 min
